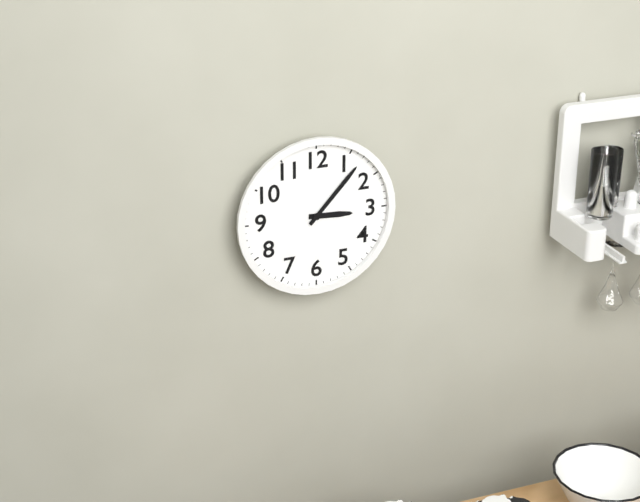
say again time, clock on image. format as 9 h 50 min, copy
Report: 3 h 07 min
